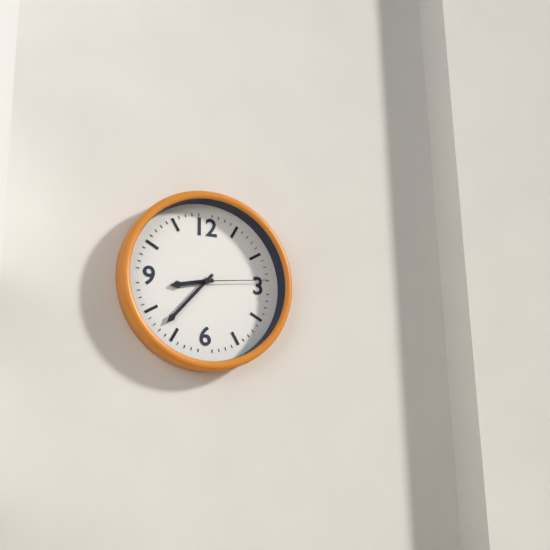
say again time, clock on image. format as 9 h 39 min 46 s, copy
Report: 8 h 37 min 14 s
